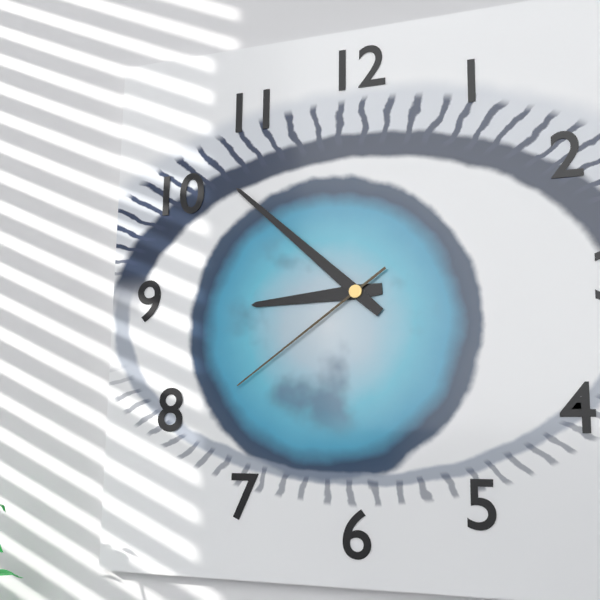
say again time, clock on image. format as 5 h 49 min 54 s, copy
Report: 8 h 52 min 39 s
